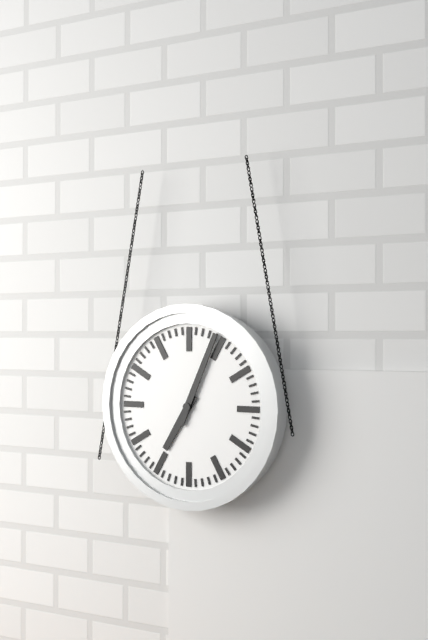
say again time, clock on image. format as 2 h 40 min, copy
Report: 7 h 04 min
